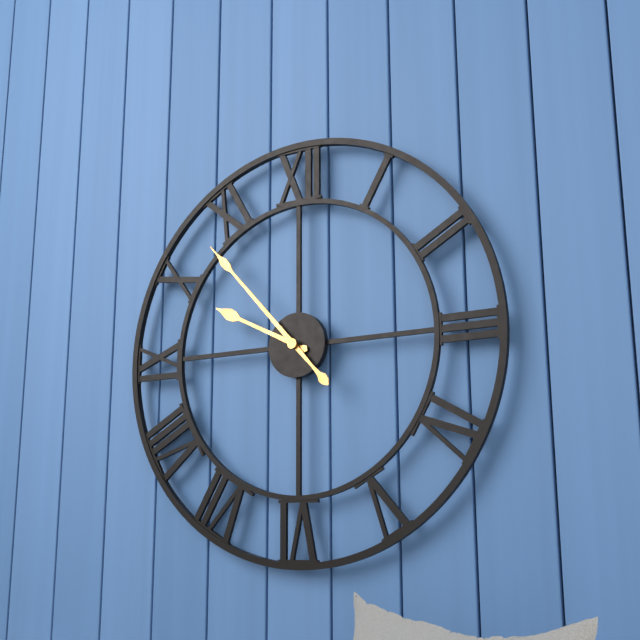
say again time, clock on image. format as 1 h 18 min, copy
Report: 9 h 53 min
